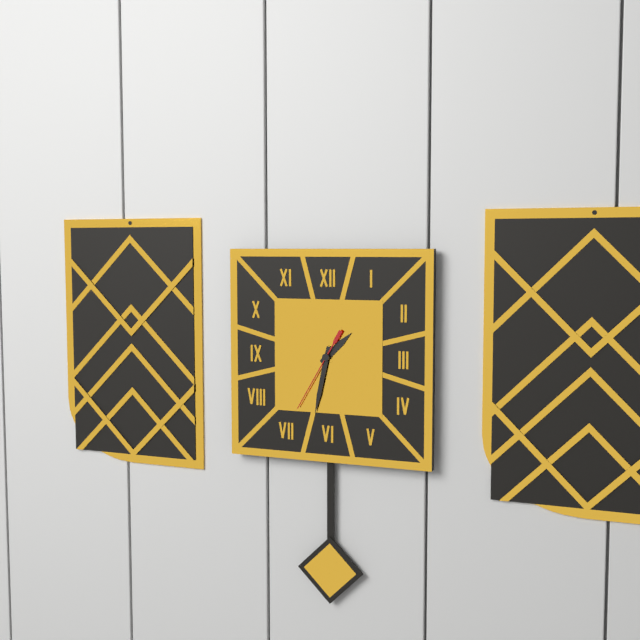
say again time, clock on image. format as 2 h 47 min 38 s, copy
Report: 1 h 32 min 35 s
